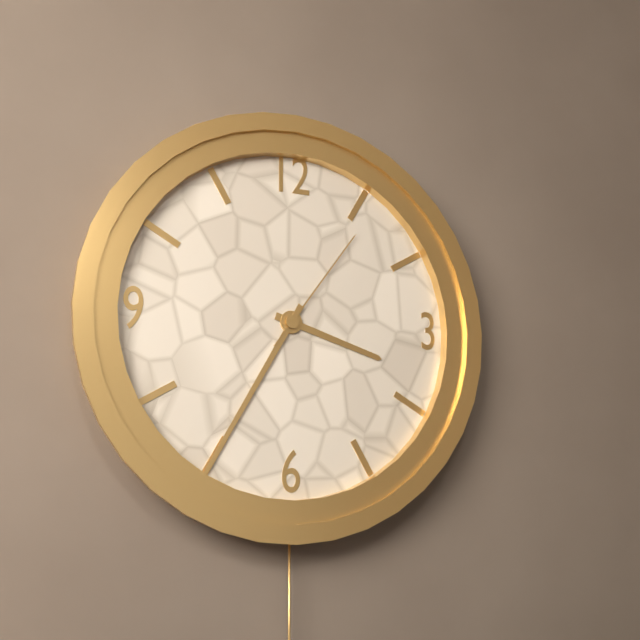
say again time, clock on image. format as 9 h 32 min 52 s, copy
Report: 3 h 35 min 06 s
